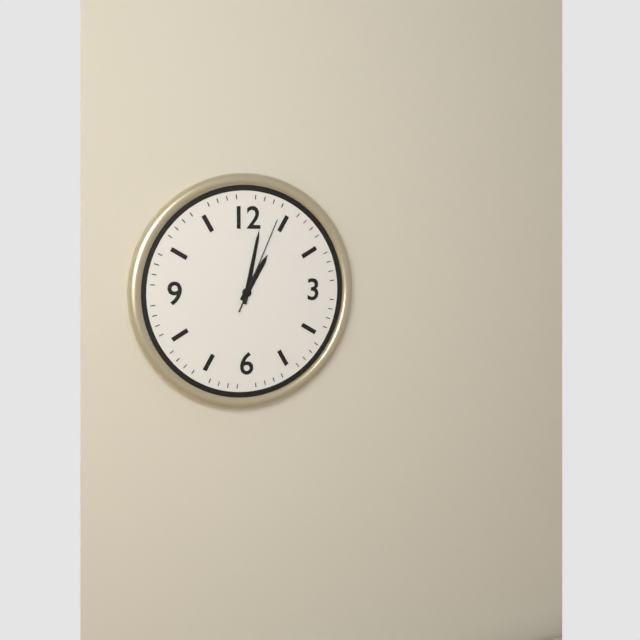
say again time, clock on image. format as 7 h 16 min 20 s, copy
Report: 1 h 02 min 04 s
